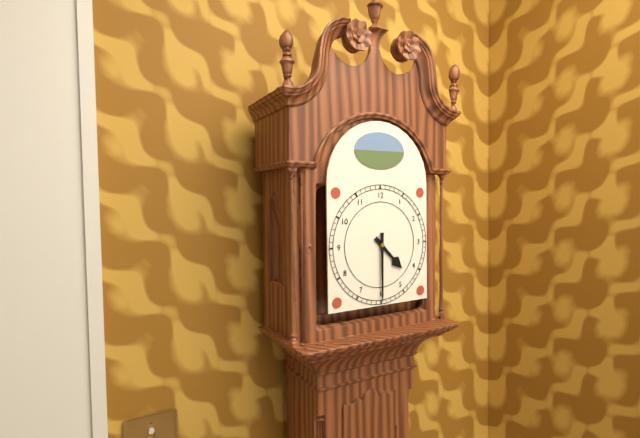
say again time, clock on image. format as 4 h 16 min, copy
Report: 4 h 30 min
